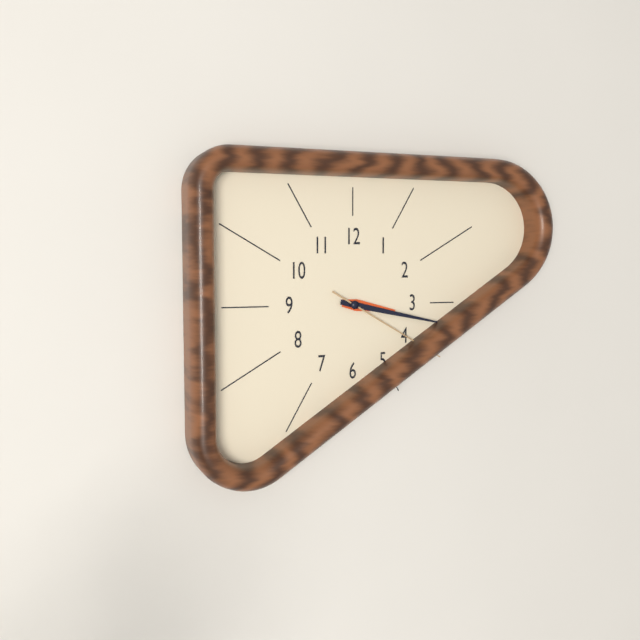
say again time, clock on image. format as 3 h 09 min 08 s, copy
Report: 3 h 17 min 20 s
